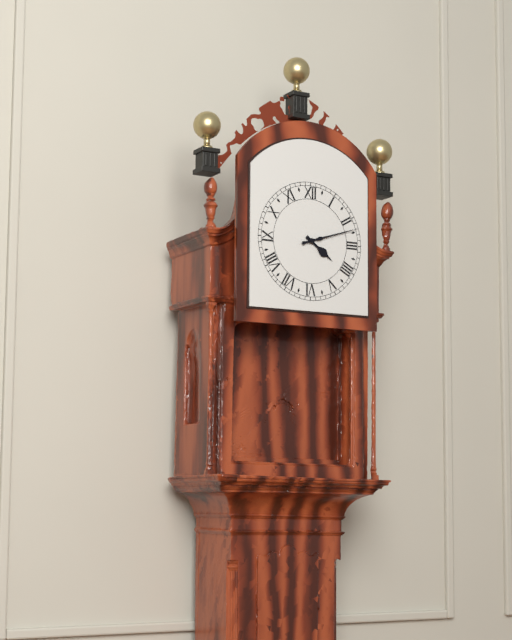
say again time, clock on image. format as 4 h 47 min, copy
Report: 4 h 12 min
